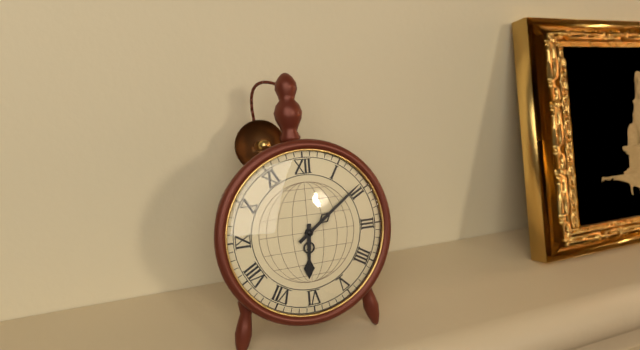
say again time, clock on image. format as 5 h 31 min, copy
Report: 6 h 09 min
